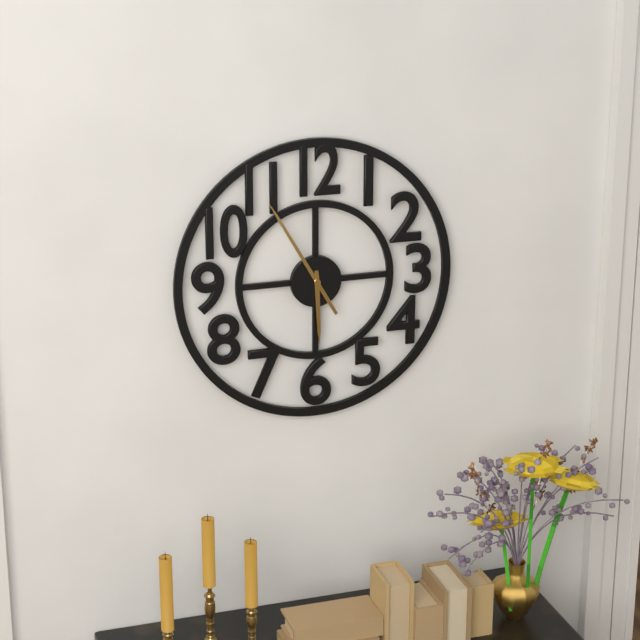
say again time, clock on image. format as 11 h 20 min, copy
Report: 5 h 55 min
